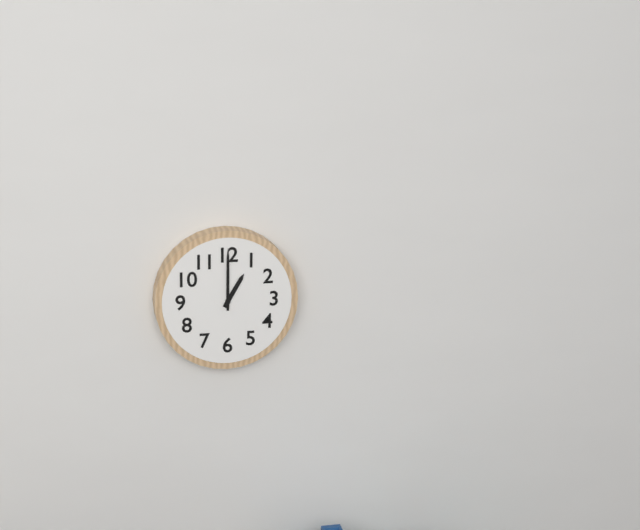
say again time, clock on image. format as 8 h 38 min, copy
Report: 1 h 00 min
